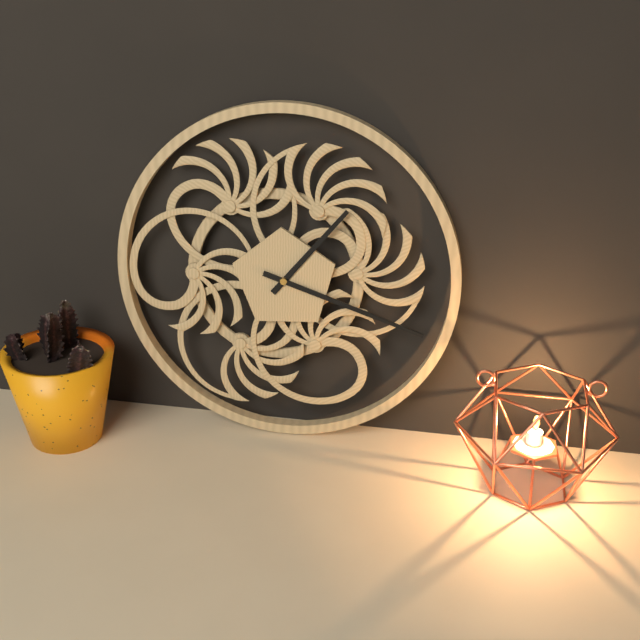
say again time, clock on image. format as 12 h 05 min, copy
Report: 1 h 18 min
